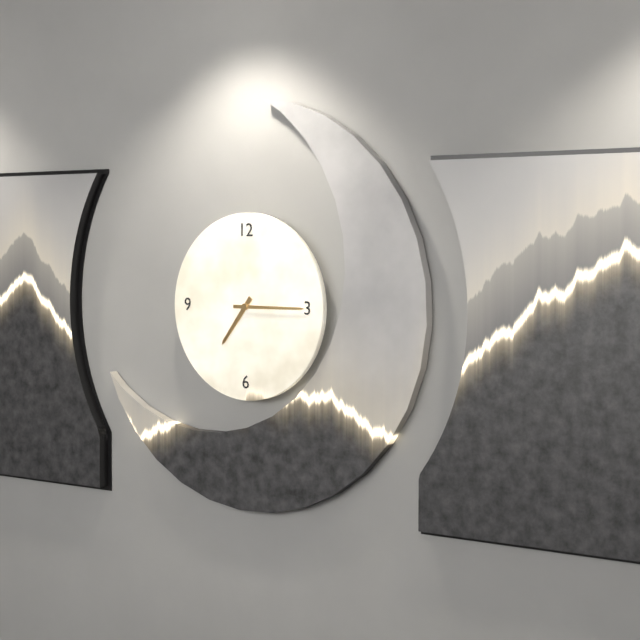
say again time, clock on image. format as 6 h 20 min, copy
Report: 7 h 15 min
